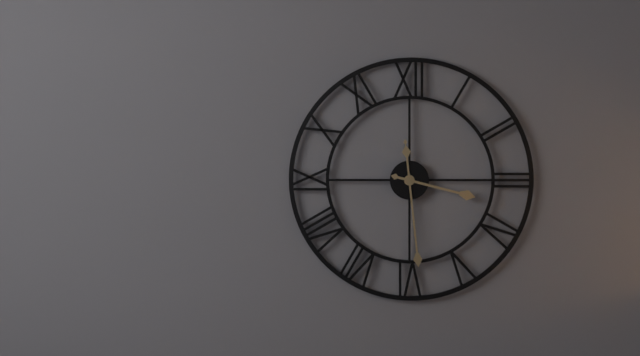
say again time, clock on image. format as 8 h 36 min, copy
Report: 3 h 29 min
